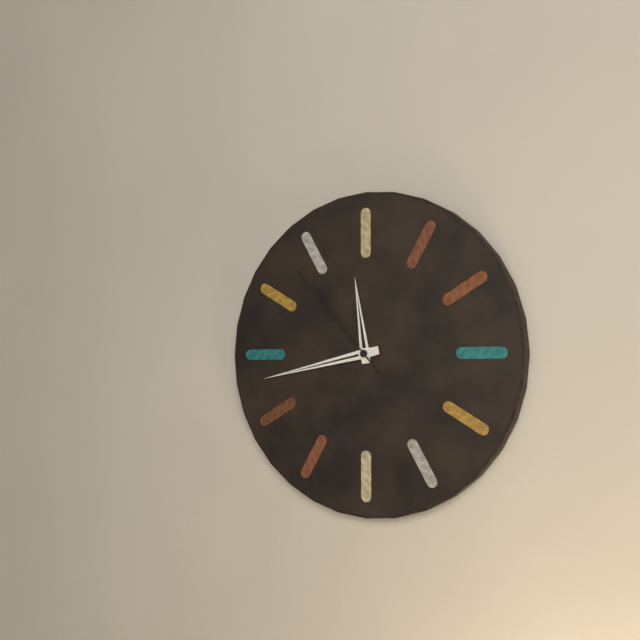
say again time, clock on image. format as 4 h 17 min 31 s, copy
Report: 11 h 43 min 53 s
